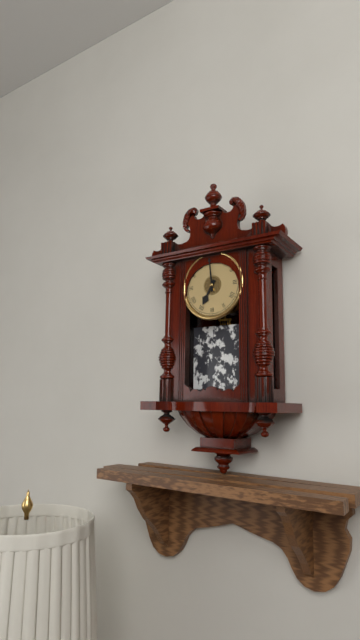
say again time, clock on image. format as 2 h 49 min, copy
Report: 6 h 59 min
